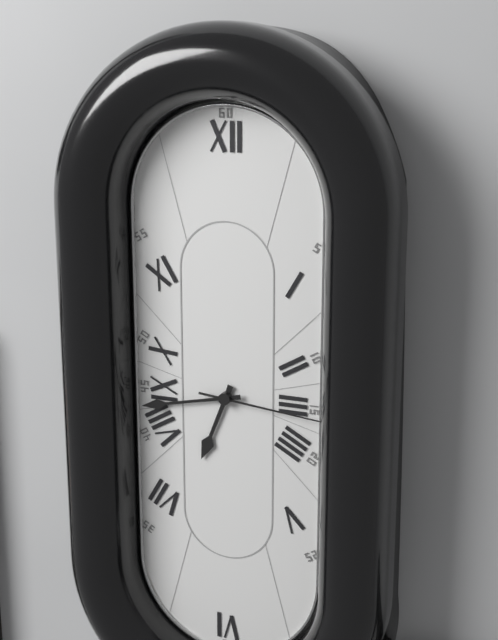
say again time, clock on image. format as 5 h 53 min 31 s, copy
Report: 6 h 43 min 16 s
